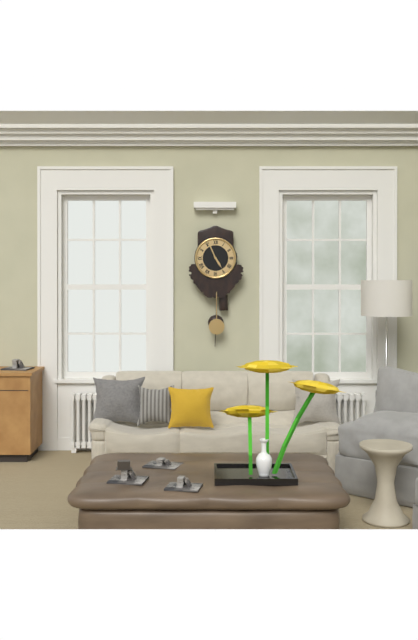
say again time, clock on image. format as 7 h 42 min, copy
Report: 4 h 56 min
